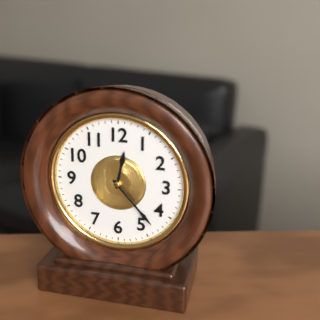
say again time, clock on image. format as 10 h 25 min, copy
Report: 12 h 23 min
